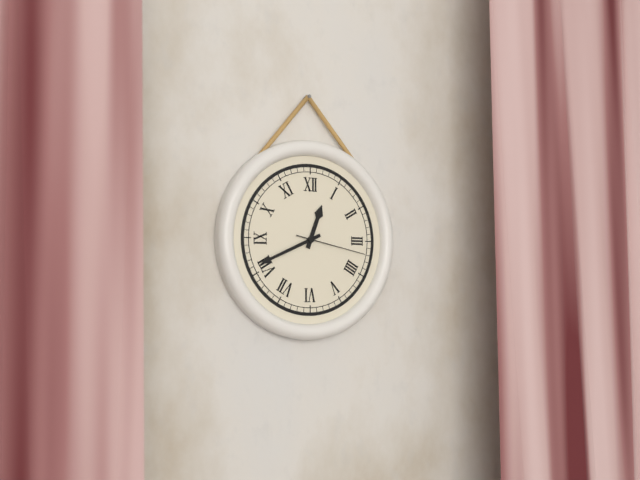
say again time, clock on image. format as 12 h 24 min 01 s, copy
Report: 12 h 41 min 17 s
